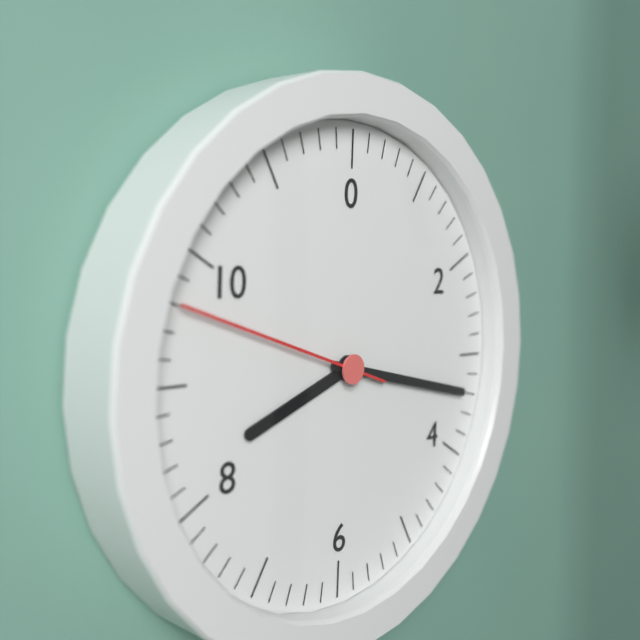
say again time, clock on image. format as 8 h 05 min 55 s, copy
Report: 8 h 17 min 48 s
